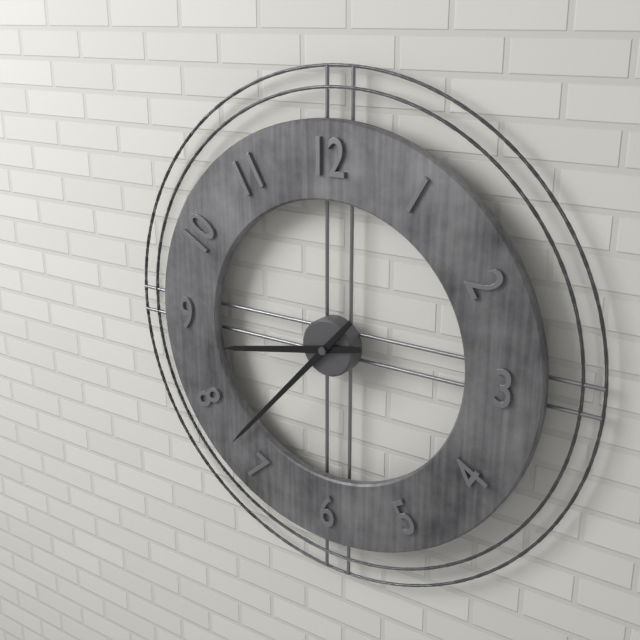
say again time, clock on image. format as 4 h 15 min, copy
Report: 8 h 37 min
